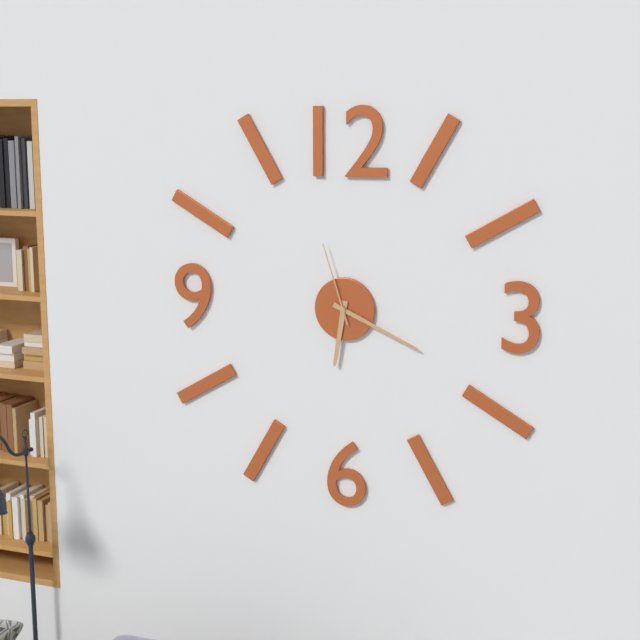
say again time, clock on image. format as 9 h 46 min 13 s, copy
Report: 6 h 19 min 57 s
